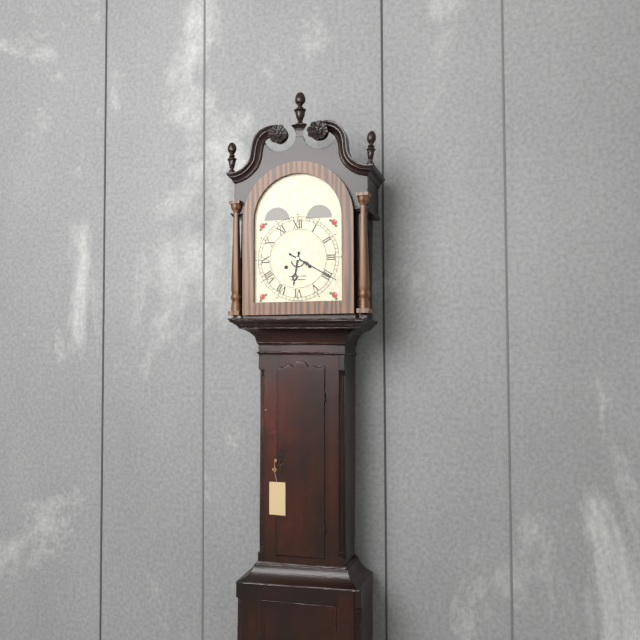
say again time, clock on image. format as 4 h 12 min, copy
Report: 6 h 20 min
